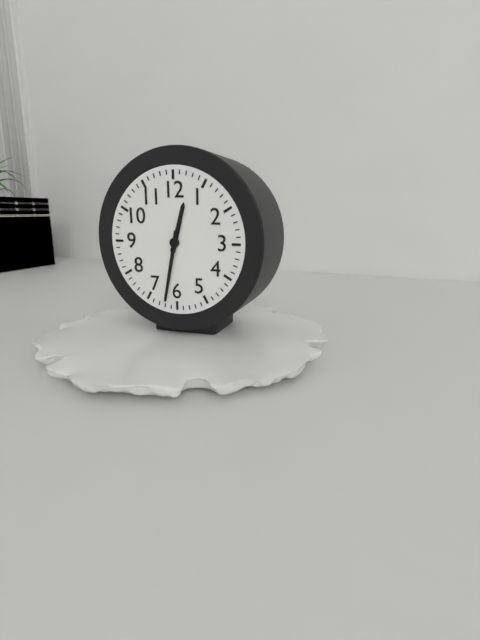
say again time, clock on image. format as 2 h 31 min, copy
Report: 12 h 32 min
